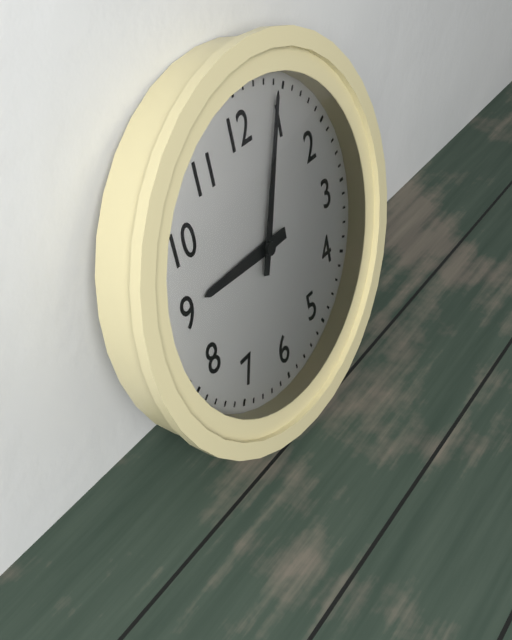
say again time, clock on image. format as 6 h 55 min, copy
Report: 9 h 04 min
